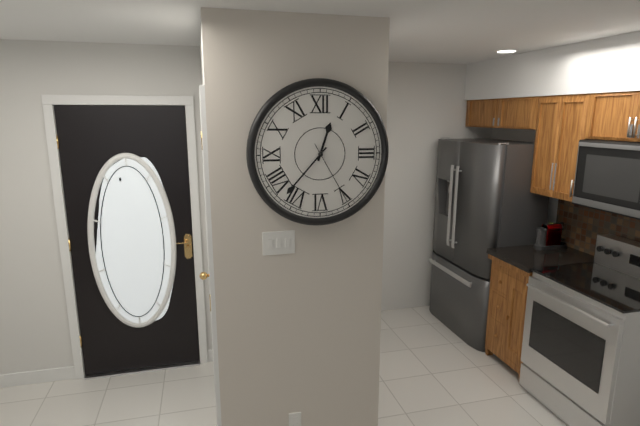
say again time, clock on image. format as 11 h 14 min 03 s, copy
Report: 12 h 37 min 25 s
